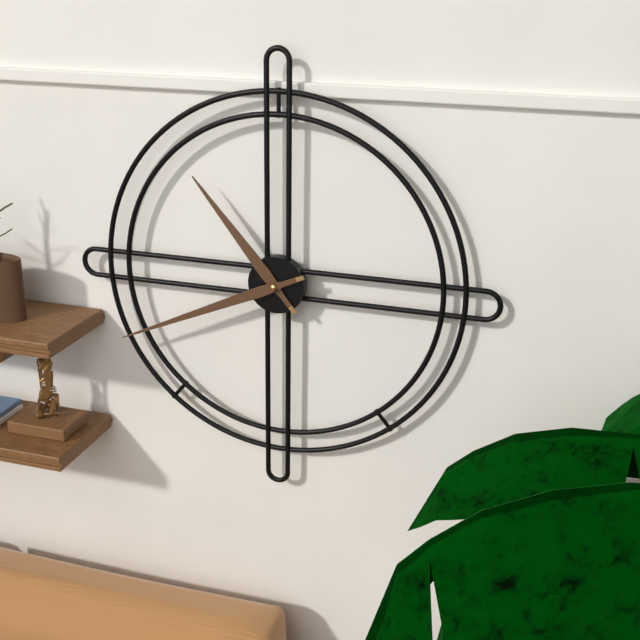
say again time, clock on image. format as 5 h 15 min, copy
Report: 10 h 41 min
